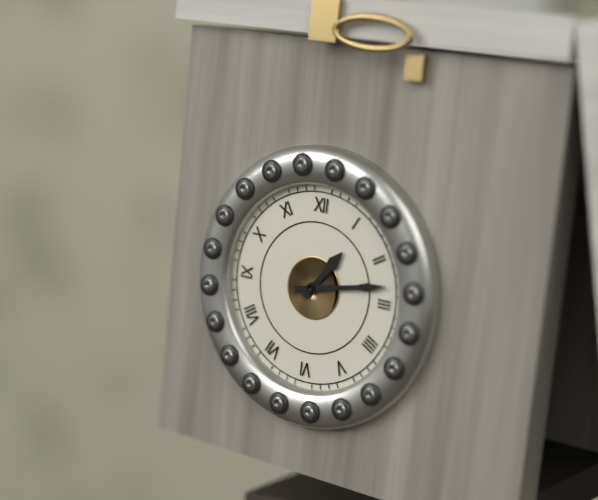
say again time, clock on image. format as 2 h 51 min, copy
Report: 1 h 13 min
